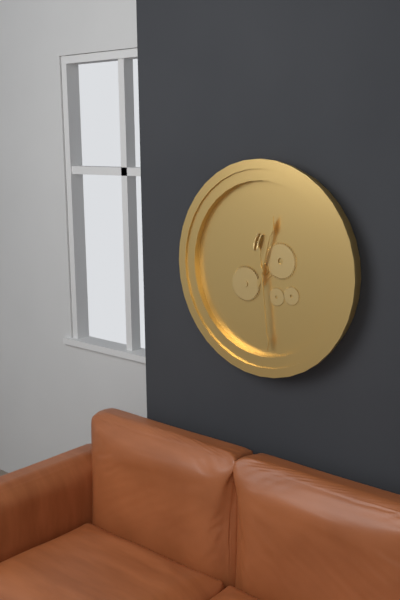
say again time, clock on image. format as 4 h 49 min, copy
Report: 12 h 29 min
